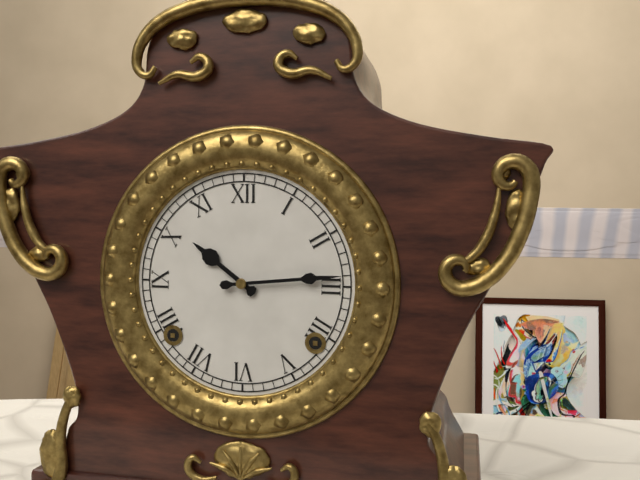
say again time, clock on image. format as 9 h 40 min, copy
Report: 10 h 14 min
